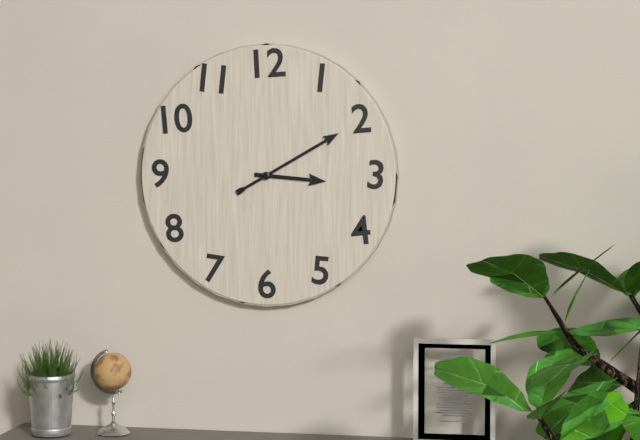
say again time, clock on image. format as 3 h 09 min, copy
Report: 3 h 10 min
